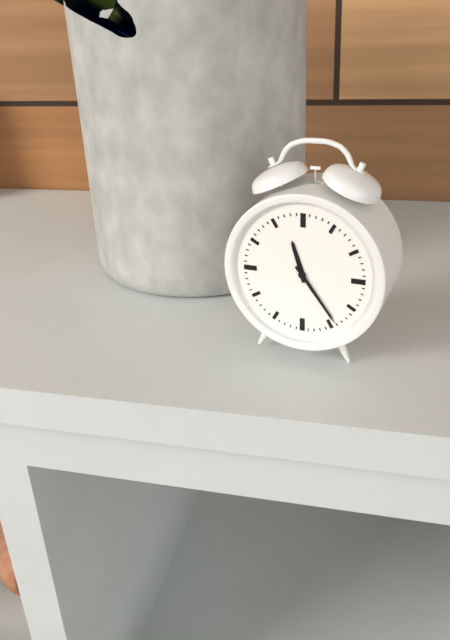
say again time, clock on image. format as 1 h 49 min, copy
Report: 11 h 24 min
